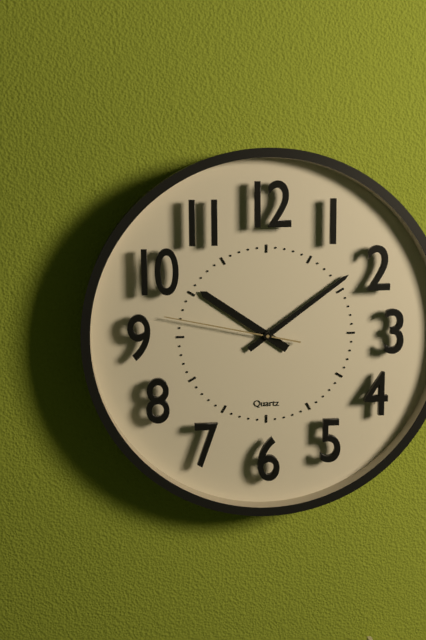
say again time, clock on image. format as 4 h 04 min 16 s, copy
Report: 10 h 09 min 47 s
